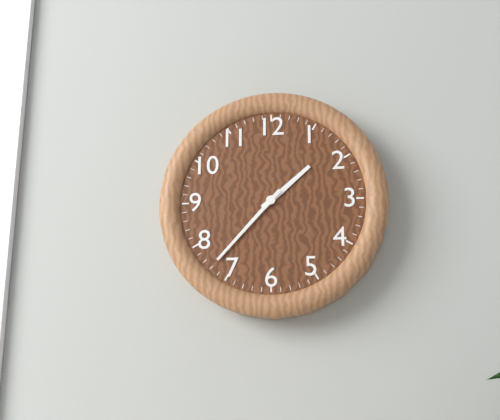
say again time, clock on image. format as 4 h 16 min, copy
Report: 1 h 37 min
